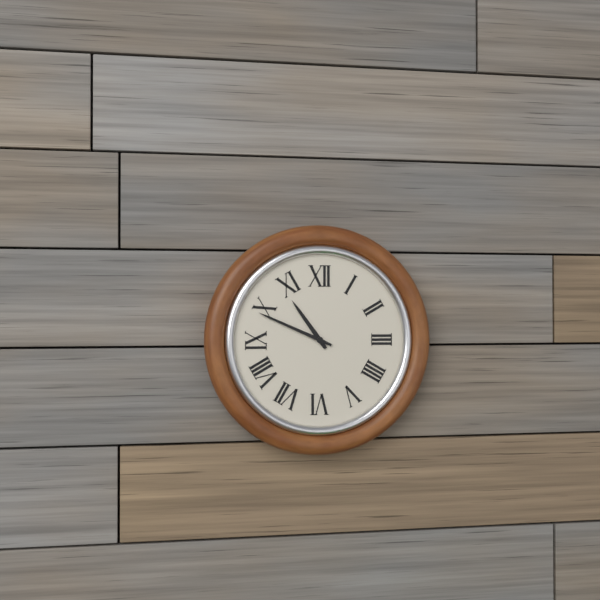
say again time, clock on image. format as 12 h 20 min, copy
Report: 10 h 49 min
